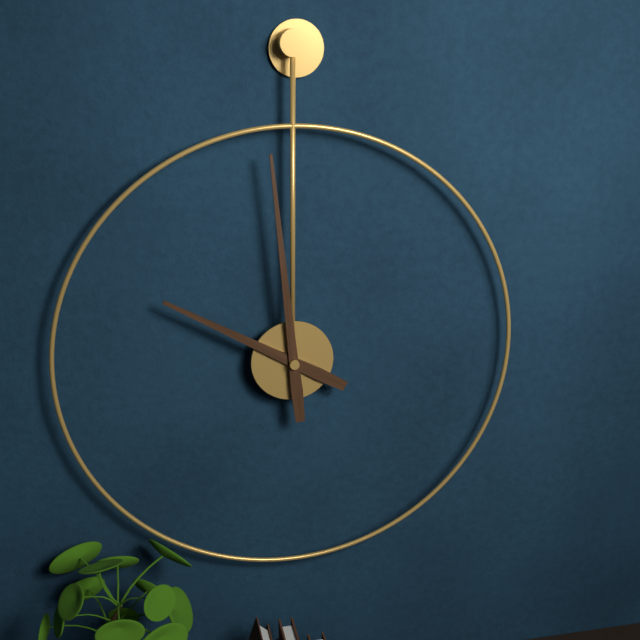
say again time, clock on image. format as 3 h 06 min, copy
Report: 9 h 59 min
